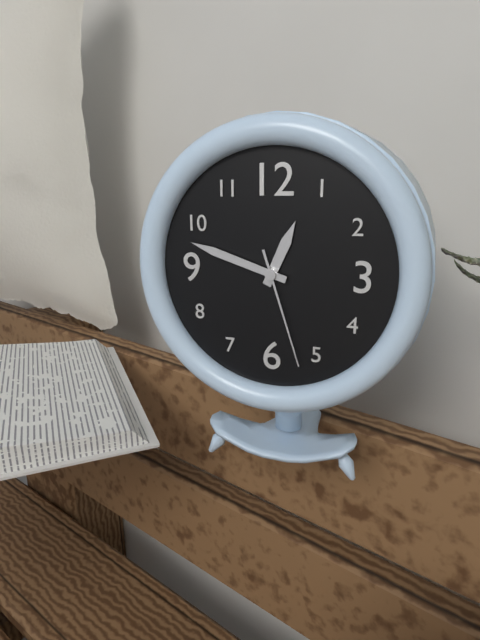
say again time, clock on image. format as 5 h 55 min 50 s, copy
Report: 12 h 48 min 27 s
